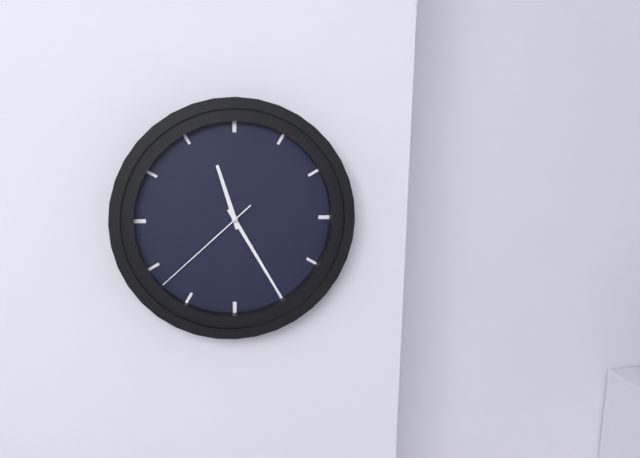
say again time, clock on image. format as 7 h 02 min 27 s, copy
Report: 11 h 25 min 38 s
